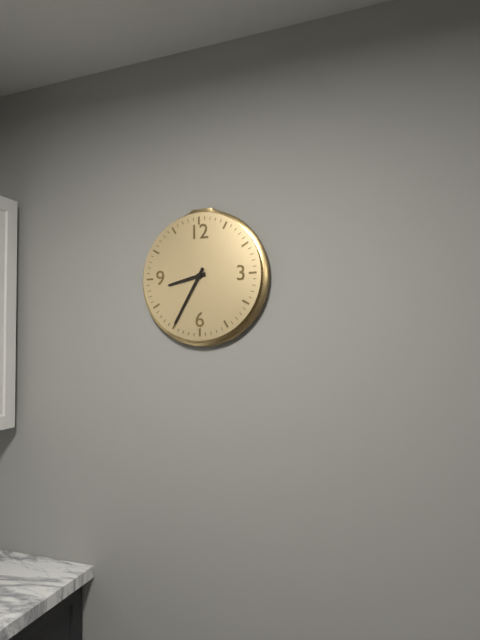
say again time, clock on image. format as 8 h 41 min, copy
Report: 8 h 35 min
